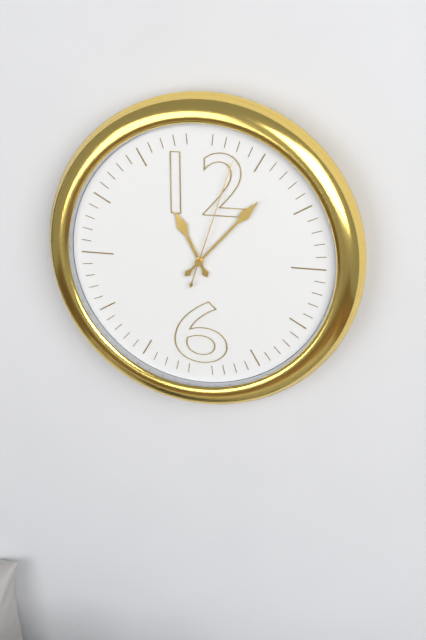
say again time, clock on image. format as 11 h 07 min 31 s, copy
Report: 11 h 07 min 03 s
